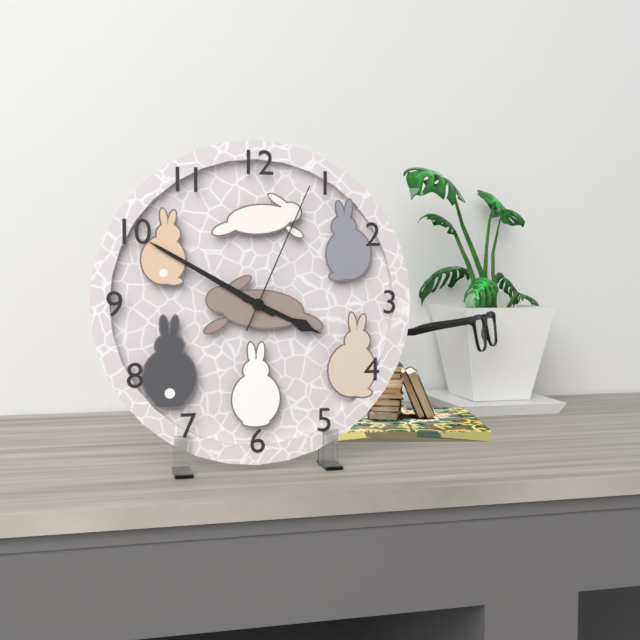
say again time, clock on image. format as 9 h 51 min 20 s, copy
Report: 3 h 50 min 04 s
